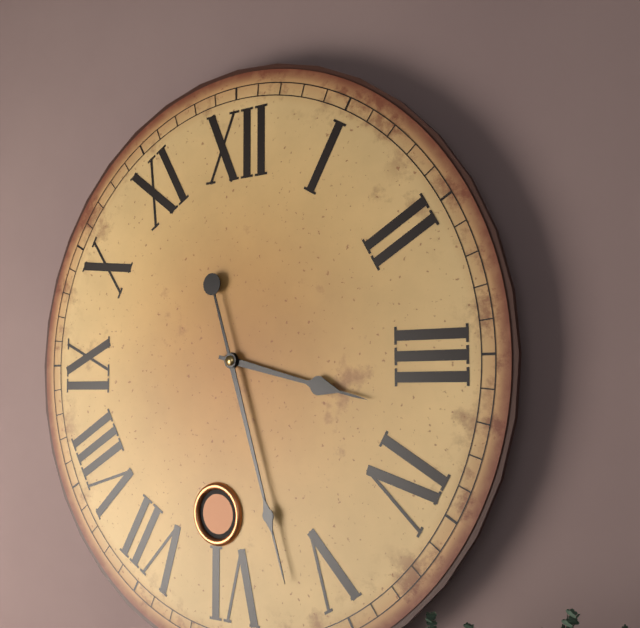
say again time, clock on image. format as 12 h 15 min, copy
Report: 3 h 27 min
